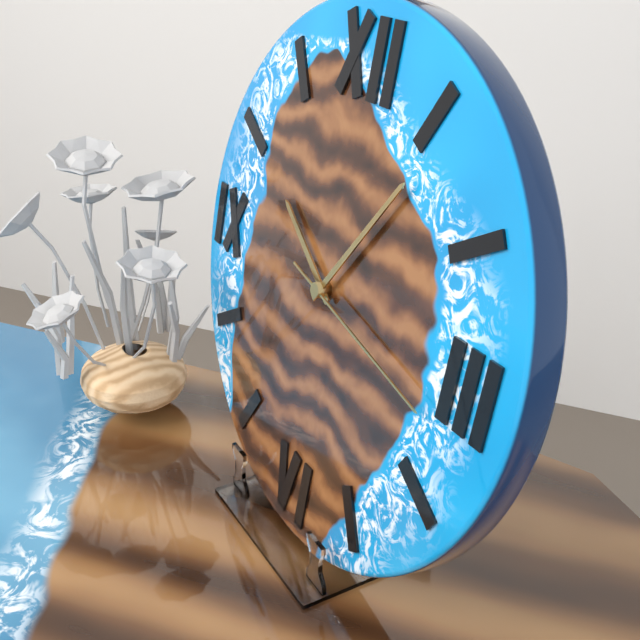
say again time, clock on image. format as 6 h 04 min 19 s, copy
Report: 10 h 06 min 17 s
